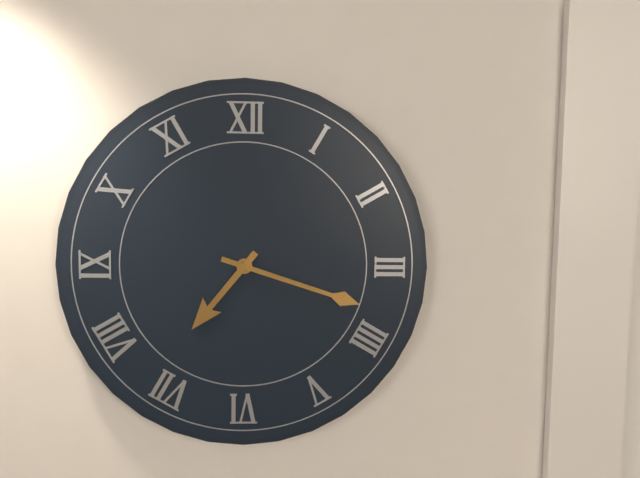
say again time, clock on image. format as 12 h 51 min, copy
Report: 7 h 18 min
